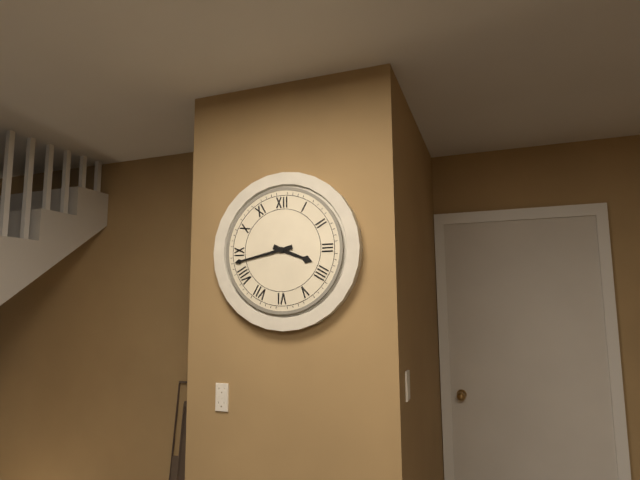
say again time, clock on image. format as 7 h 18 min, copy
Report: 3 h 43 min
